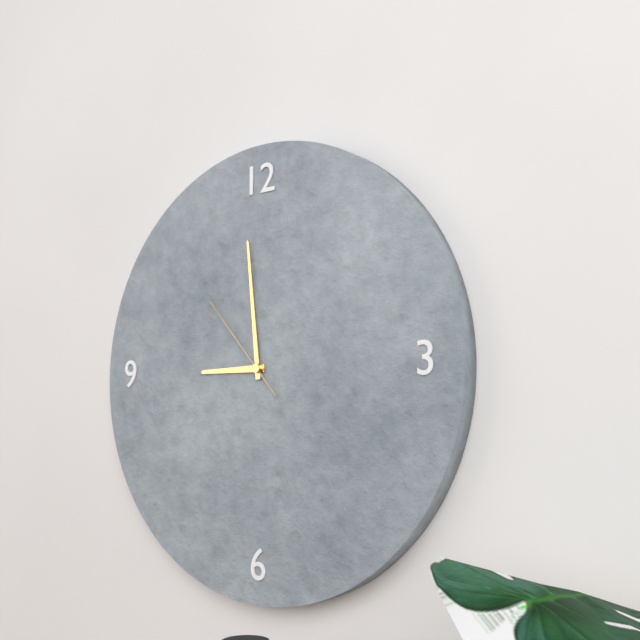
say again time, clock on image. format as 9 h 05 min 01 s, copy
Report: 8 h 59 min 53 s
